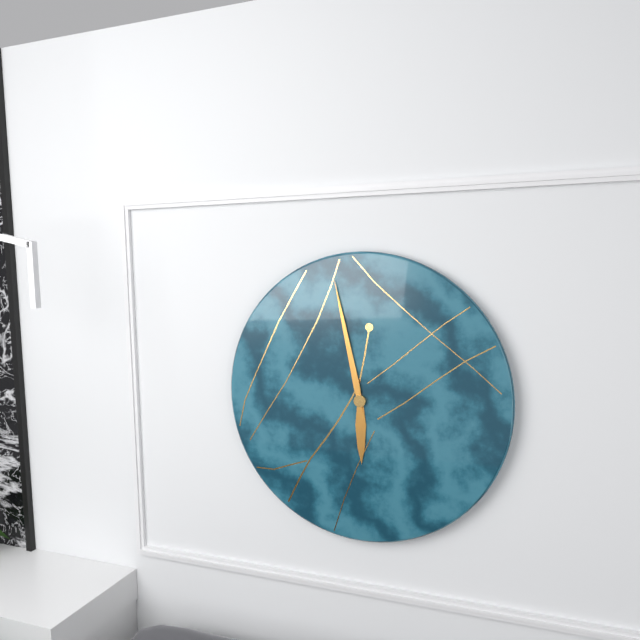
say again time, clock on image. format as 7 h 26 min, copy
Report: 5 h 58 min
